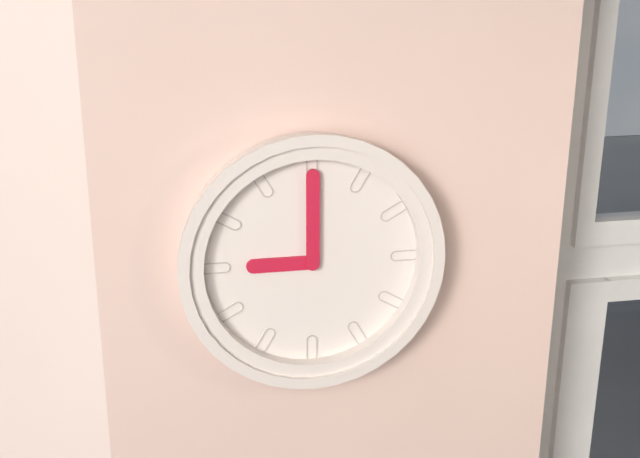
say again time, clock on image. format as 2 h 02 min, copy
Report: 9 h 00 min
